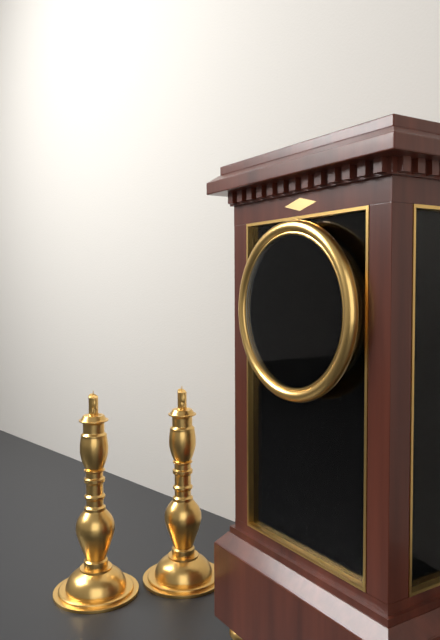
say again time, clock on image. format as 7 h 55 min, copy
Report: 7 h 36 min
